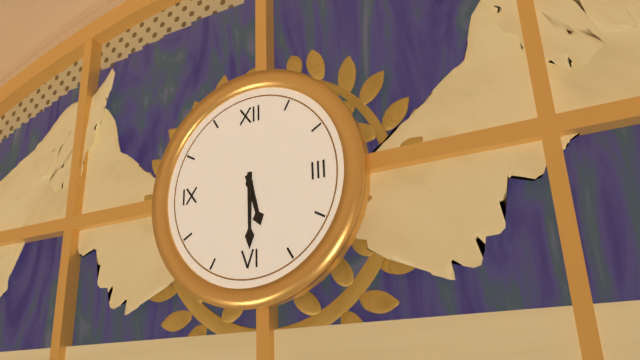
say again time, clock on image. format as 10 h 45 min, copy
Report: 5 h 30 min
